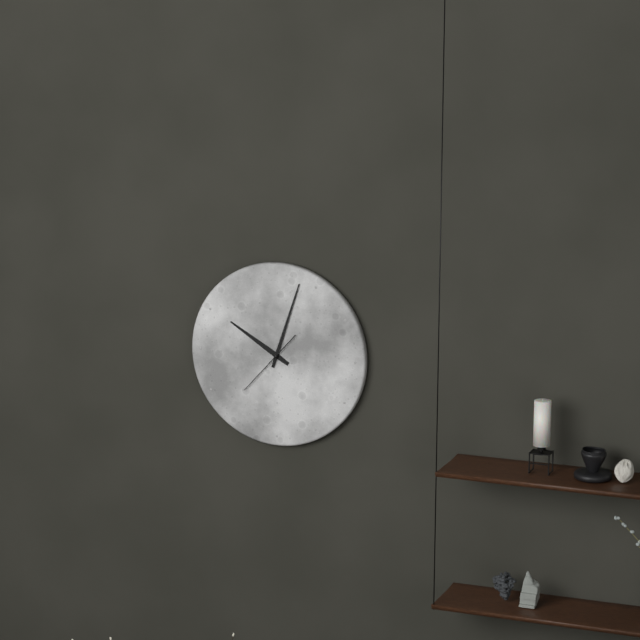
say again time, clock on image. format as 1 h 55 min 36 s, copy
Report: 10 h 03 min 37 s
